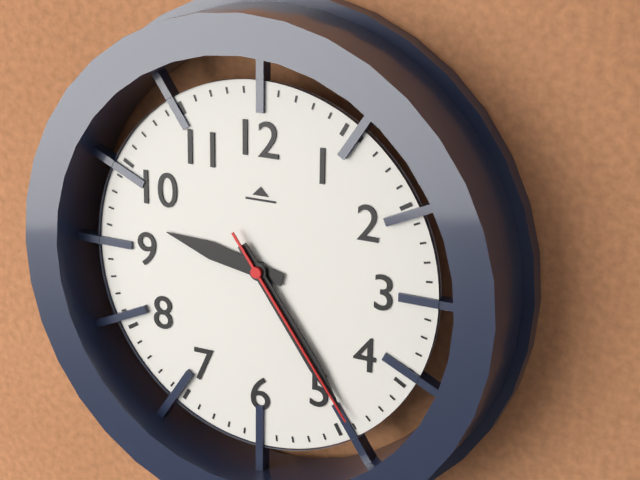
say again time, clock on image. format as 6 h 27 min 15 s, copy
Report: 9 h 24 min 24 s
